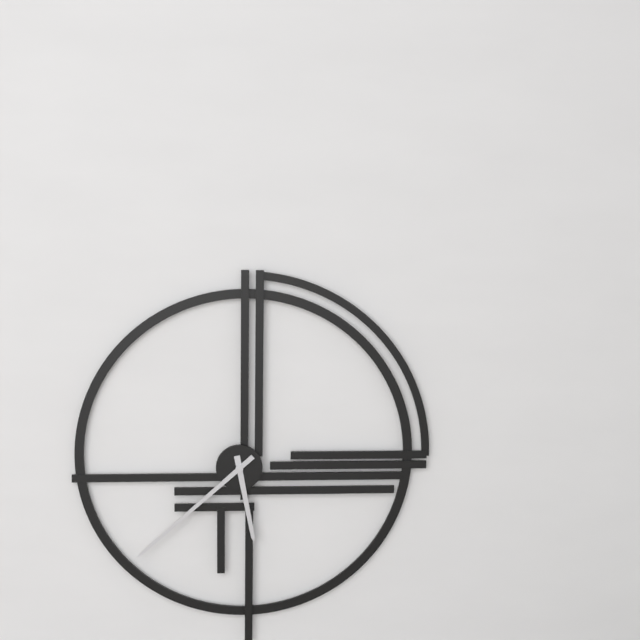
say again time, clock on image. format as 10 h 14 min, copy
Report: 5 h 38 min
